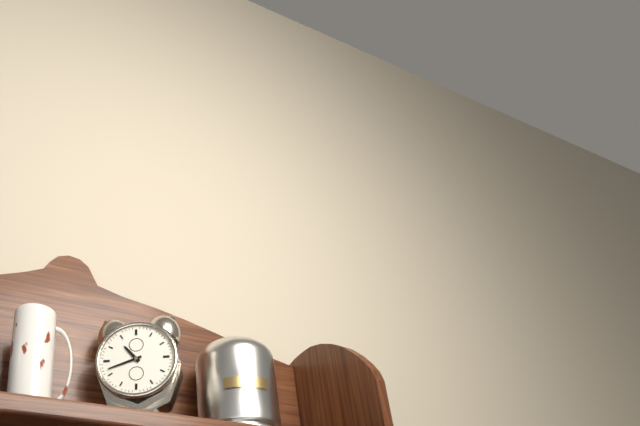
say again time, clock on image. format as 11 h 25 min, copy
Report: 10 h 42 min
